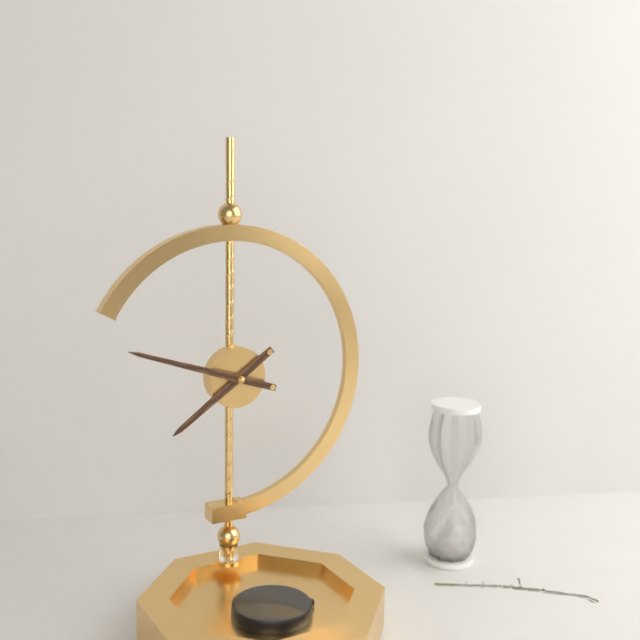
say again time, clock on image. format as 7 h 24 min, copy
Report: 7 h 48 min
